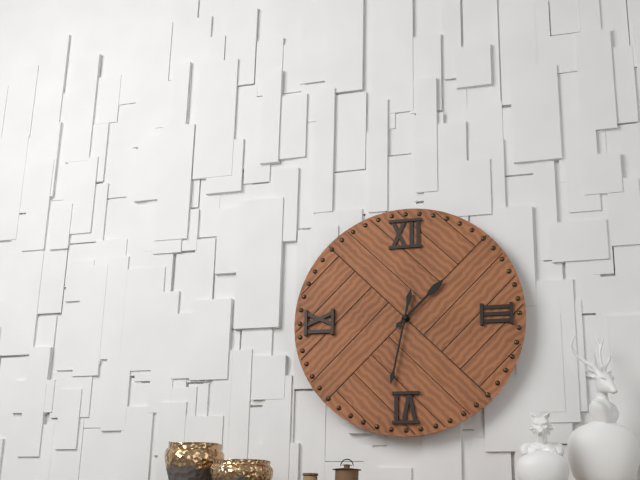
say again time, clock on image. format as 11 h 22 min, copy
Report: 1 h 32 min
